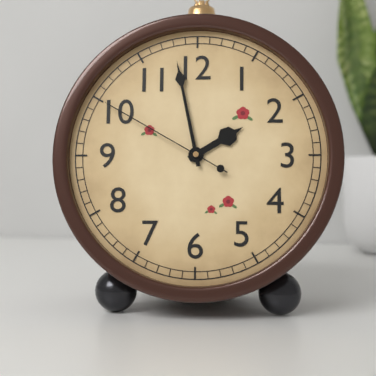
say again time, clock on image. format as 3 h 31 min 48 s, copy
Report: 1 h 58 min 50 s
